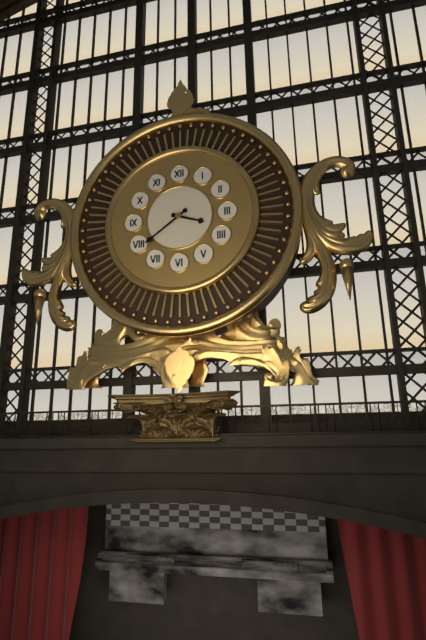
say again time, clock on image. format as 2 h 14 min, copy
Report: 3 h 39 min
